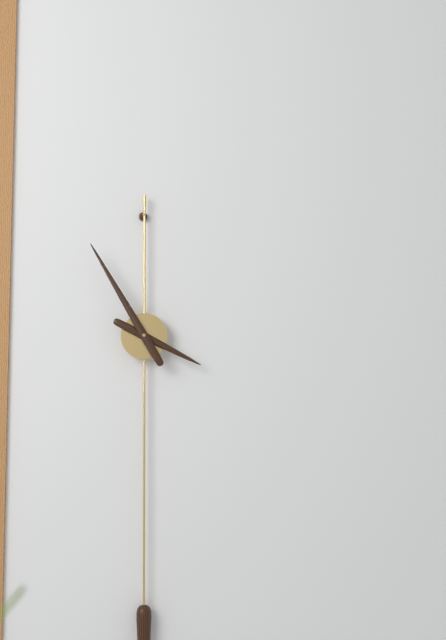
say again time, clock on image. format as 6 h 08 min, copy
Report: 3 h 55 min
